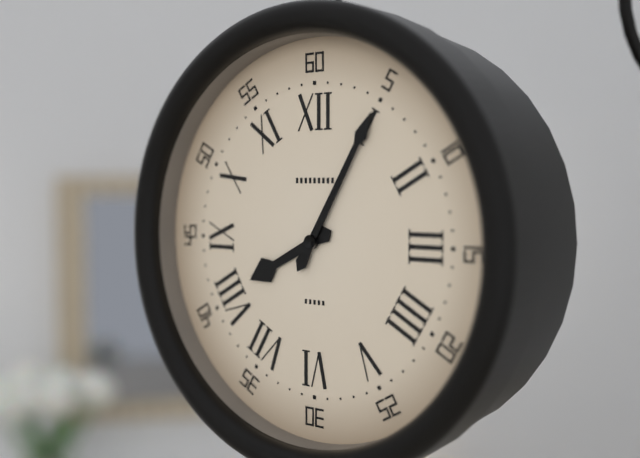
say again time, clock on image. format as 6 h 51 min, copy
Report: 8 h 05 min
